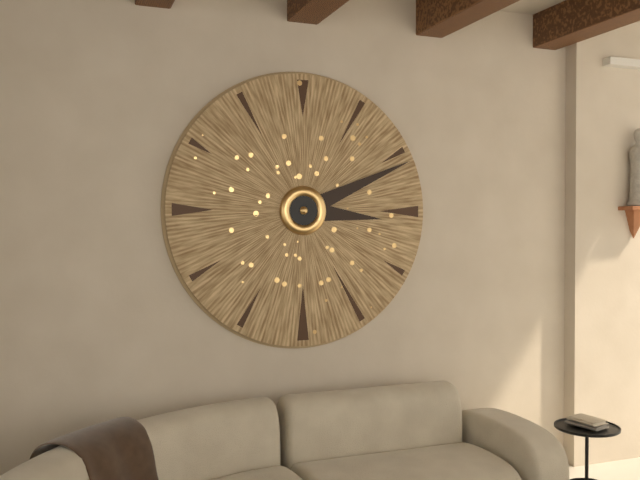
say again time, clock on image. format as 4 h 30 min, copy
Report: 3 h 11 min
